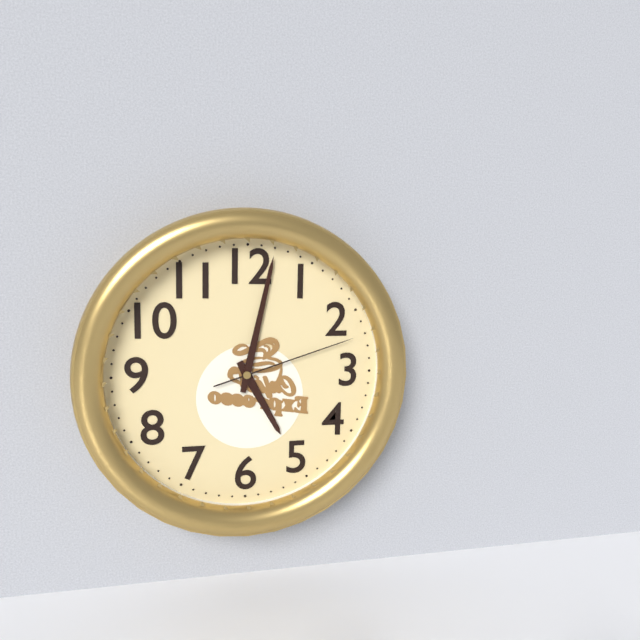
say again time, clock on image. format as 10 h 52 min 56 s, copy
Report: 5 h 02 min 12 s
